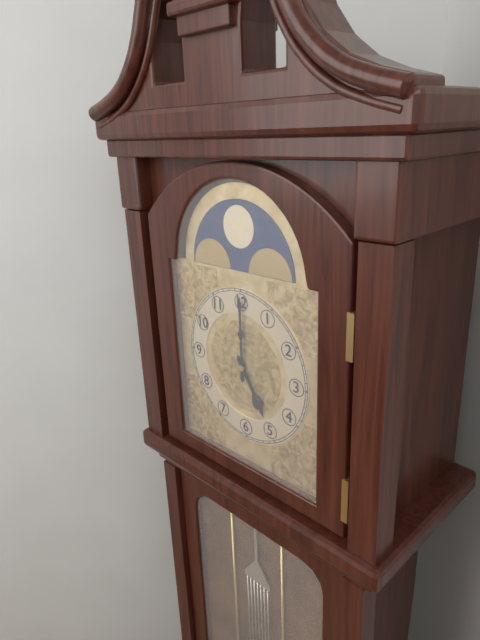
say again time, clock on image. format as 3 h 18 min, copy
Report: 5 h 00 min
